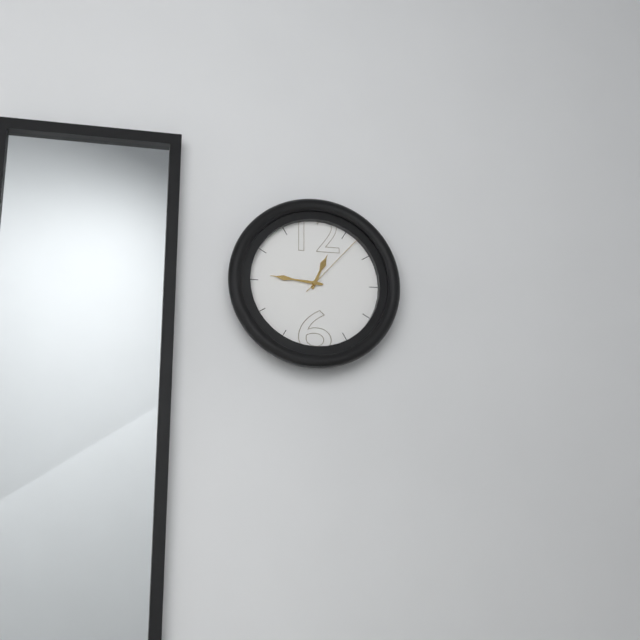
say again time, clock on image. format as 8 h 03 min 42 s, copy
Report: 12 h 46 min 07 s
